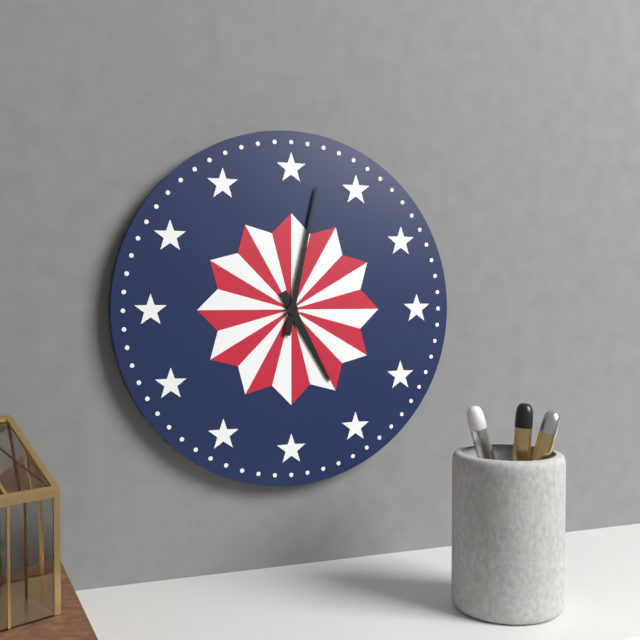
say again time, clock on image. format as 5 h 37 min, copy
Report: 5 h 02 min
